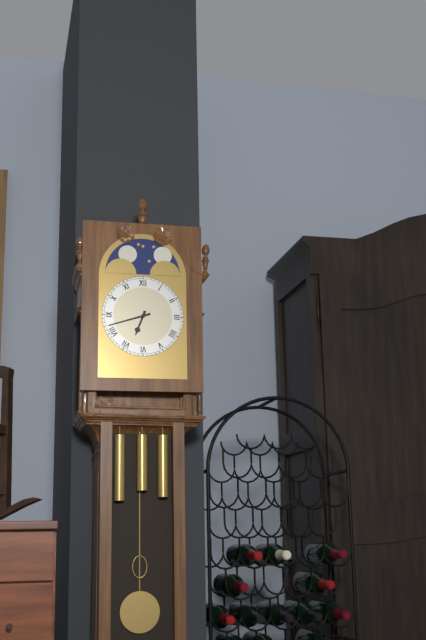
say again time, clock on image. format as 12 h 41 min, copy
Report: 6 h 42 min
